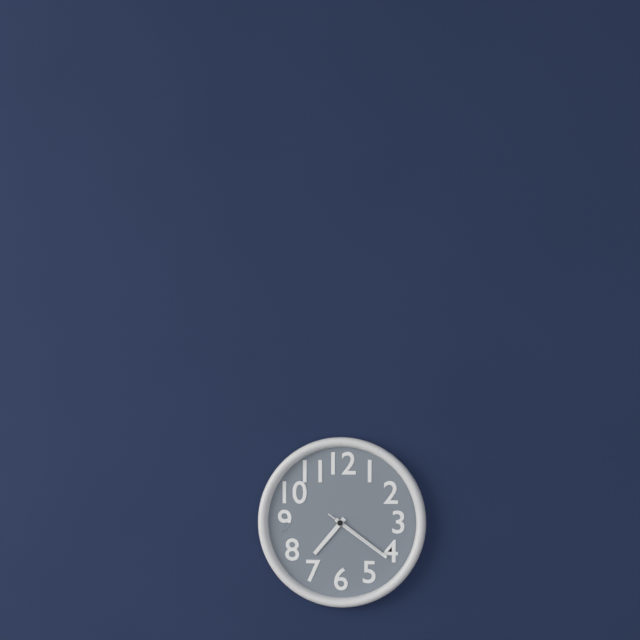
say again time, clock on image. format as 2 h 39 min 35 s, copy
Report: 7 h 21 min 21 s
